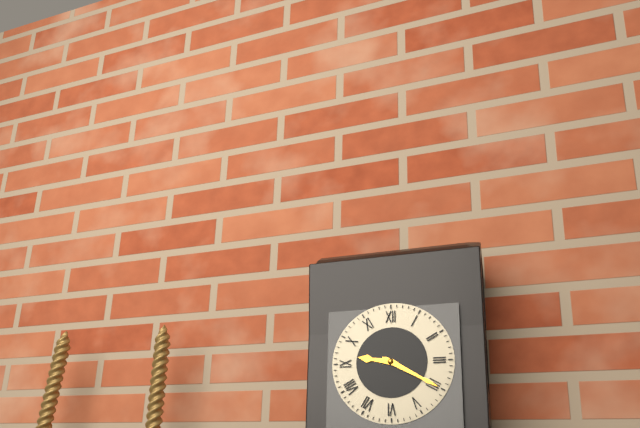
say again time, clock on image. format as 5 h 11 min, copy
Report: 9 h 20 min
